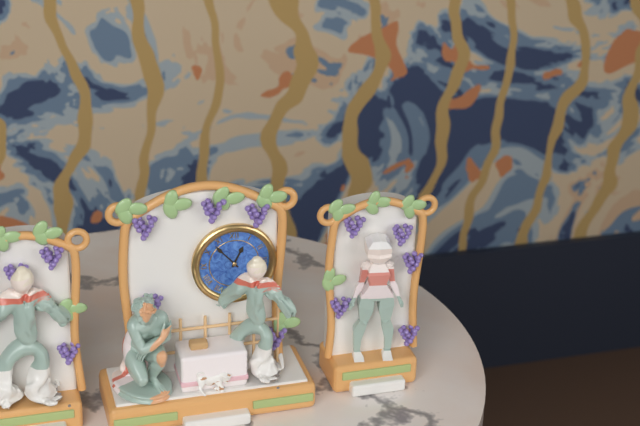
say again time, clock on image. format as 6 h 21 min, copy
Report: 12 h 53 min
